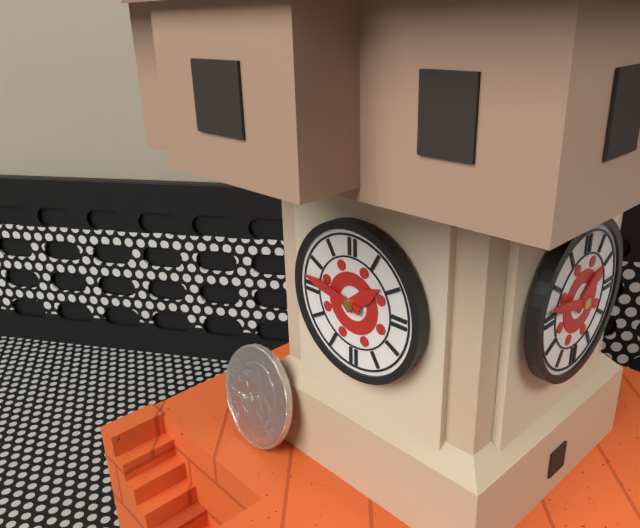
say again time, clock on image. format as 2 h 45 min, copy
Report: 1 h 47 min
